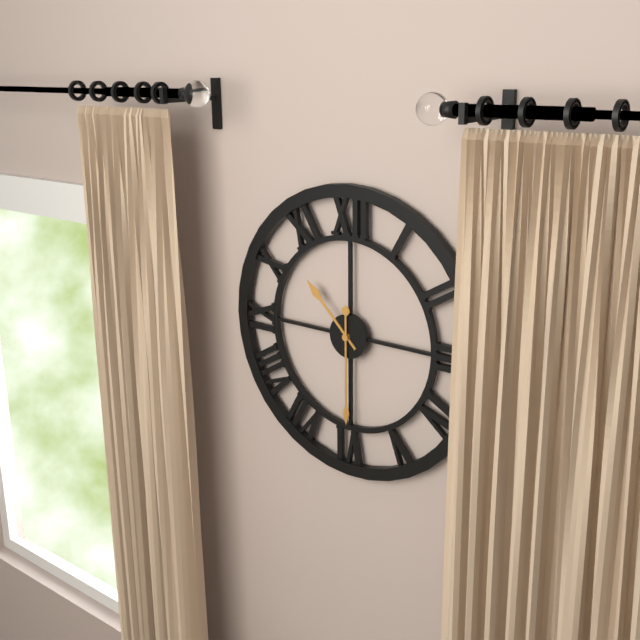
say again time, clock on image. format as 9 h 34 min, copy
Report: 10 h 30 min
